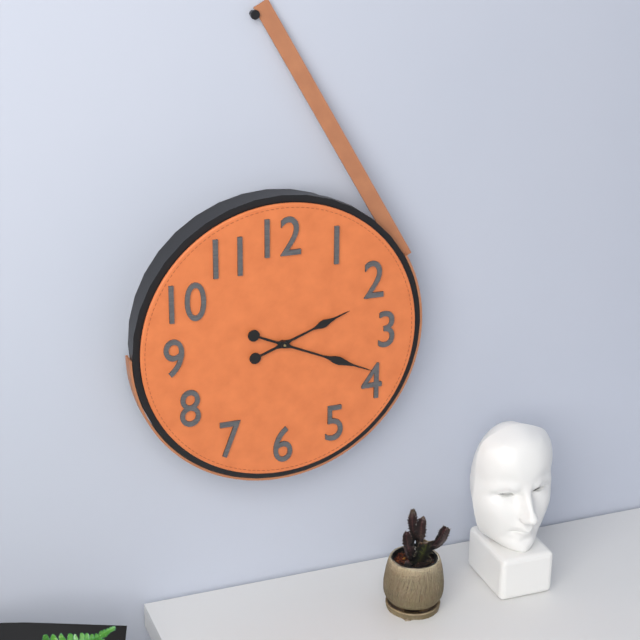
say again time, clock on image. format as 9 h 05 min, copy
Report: 2 h 19 min
